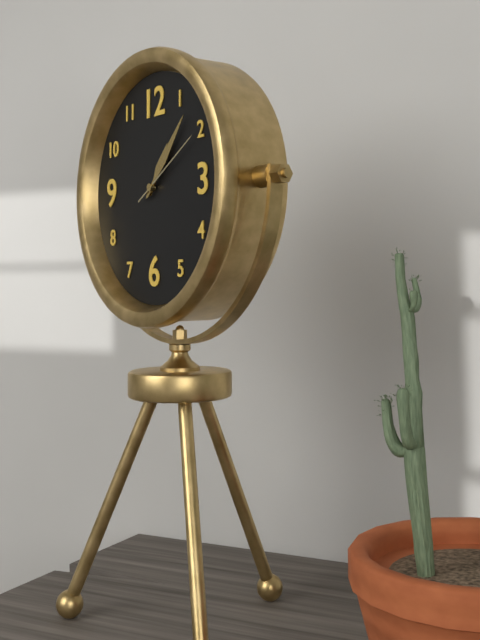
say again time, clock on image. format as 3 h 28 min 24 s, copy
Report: 1 h 07 min 10 s
